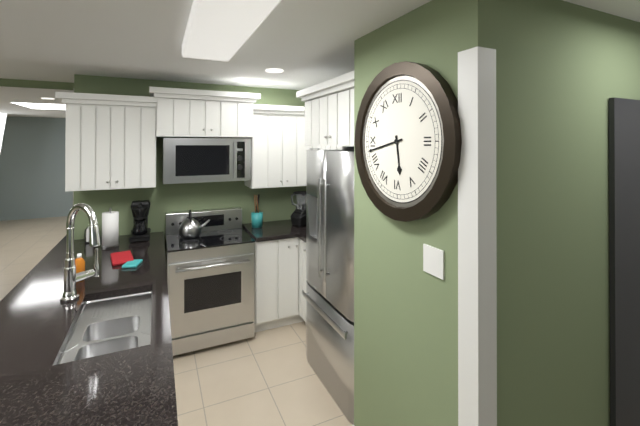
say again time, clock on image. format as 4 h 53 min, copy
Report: 5 h 43 min
